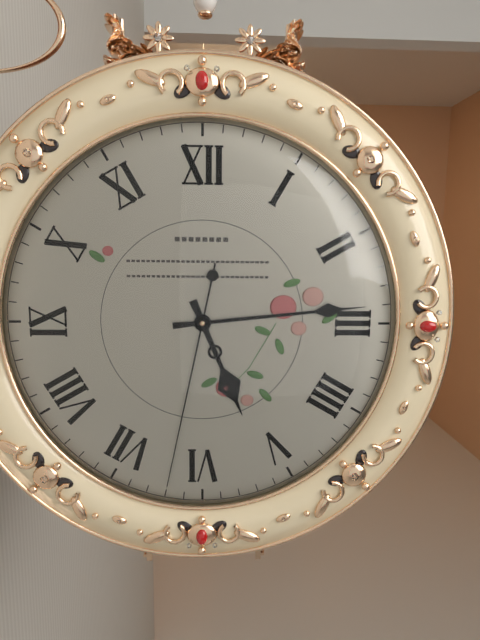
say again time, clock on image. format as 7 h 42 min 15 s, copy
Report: 5 h 14 min 32 s
